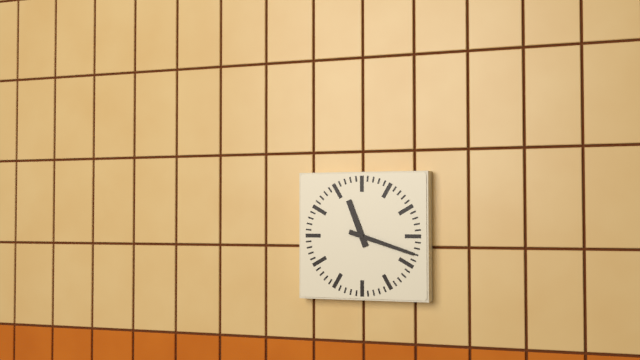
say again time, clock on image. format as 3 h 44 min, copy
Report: 11 h 18 min
